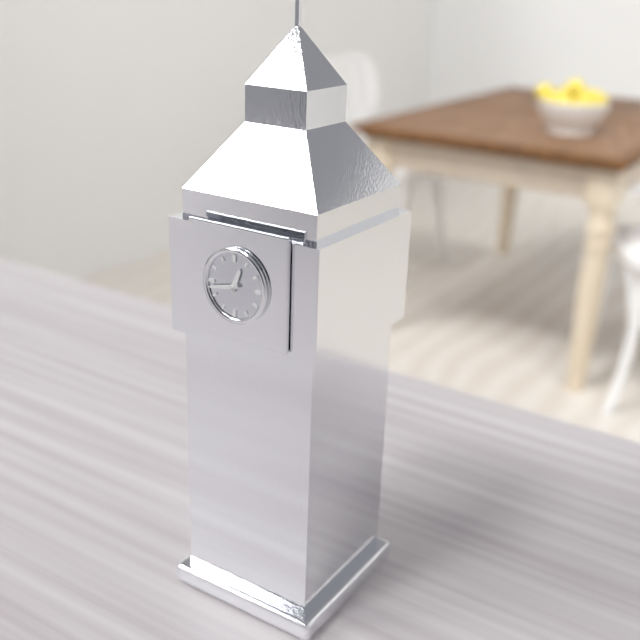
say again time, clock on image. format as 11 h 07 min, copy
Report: 12 h 43 min
